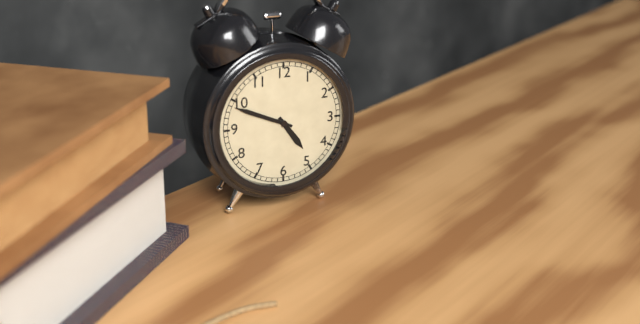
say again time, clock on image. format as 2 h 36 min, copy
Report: 4 h 49 min
